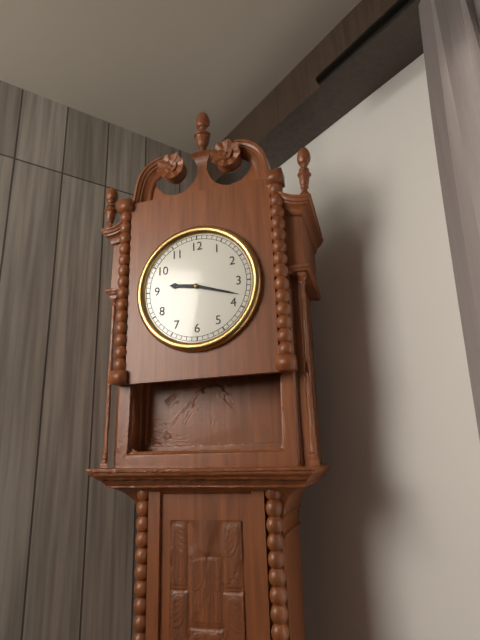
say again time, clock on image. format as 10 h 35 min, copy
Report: 9 h 18 min
